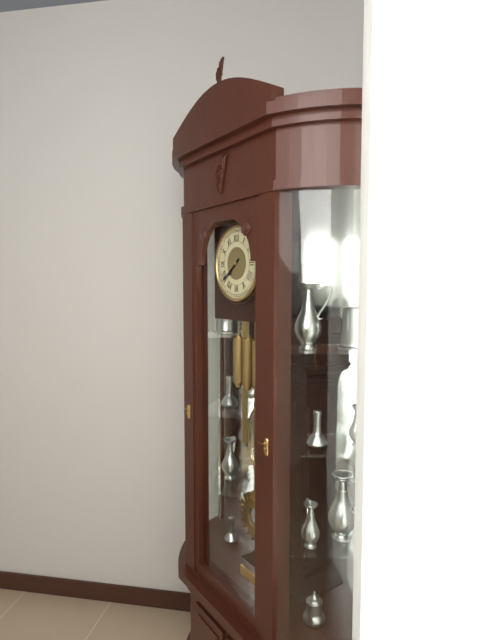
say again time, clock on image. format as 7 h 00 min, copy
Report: 7 h 39 min
